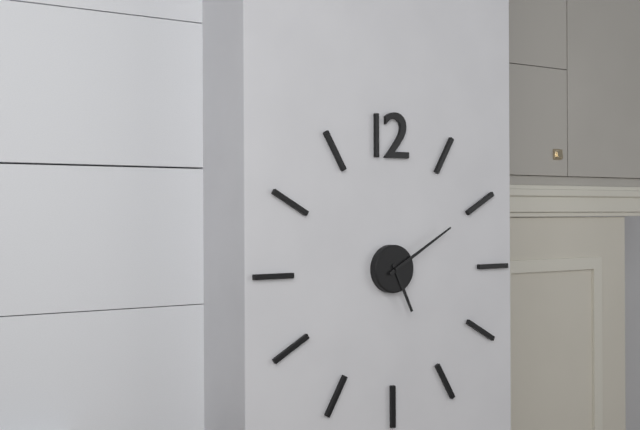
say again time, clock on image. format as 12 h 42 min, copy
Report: 5 h 10 min
